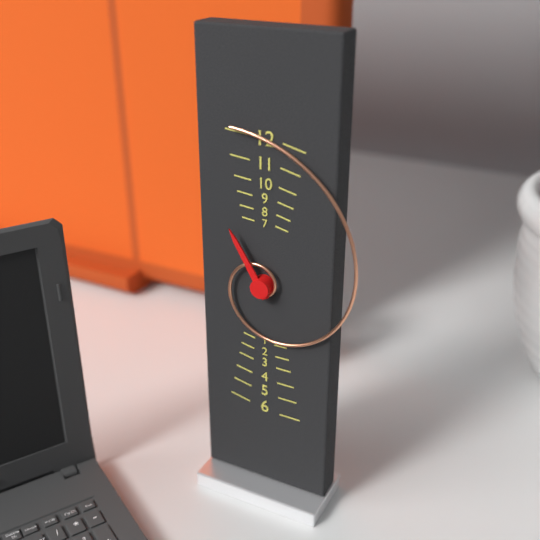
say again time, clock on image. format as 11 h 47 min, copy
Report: 10 h 58 min
